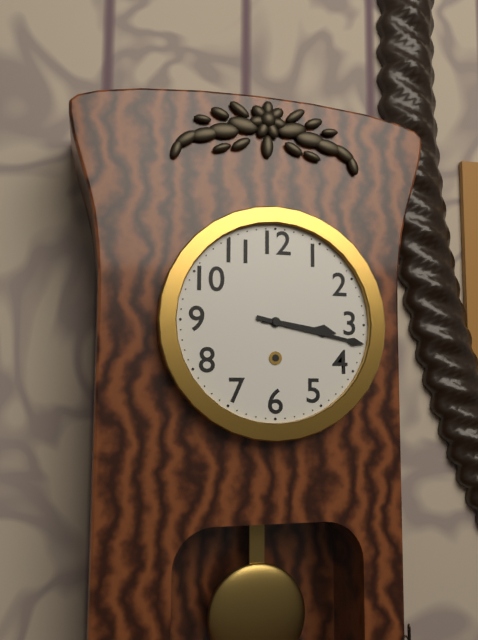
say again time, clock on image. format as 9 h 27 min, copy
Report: 3 h 17 min
